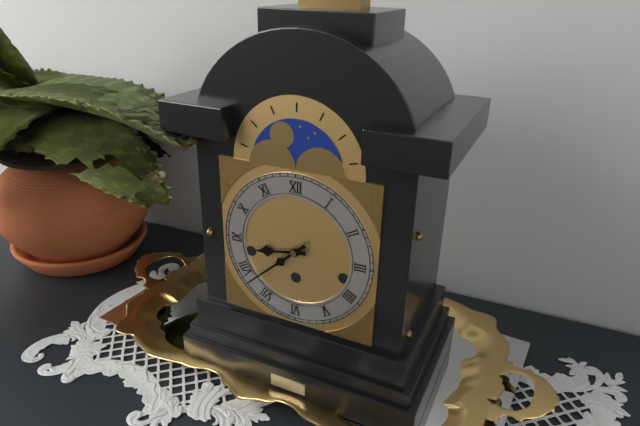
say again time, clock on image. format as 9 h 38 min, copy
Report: 8 h 38 min
